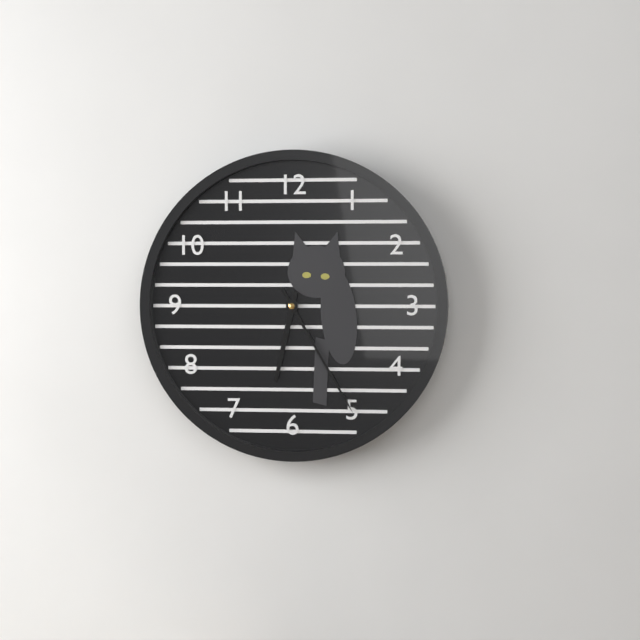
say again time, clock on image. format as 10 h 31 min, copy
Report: 6 h 25 min
